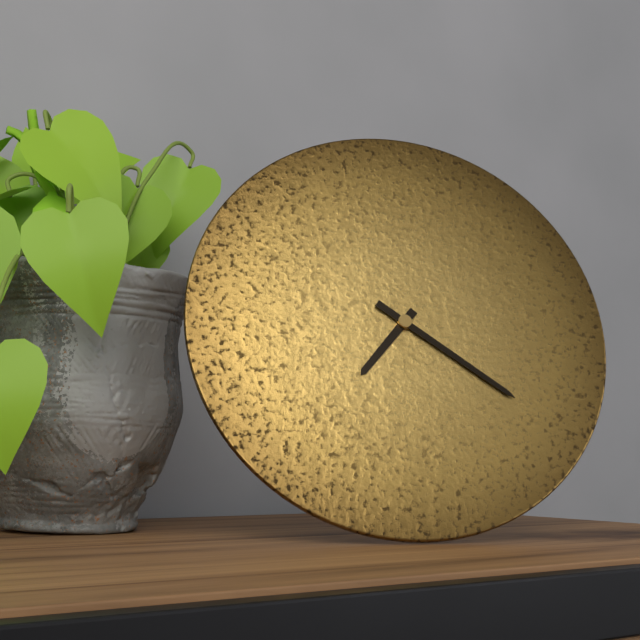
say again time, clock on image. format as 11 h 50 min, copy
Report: 7 h 21 min
